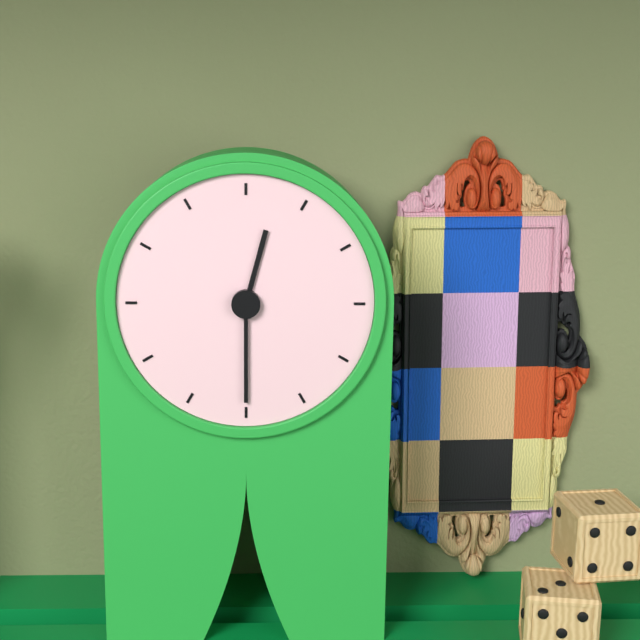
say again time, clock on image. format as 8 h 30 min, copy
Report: 12 h 30 min
